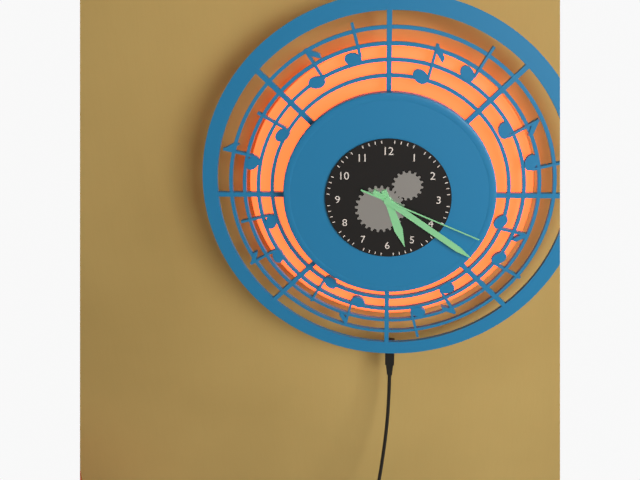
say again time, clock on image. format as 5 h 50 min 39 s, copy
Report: 5 h 21 min 19 s
